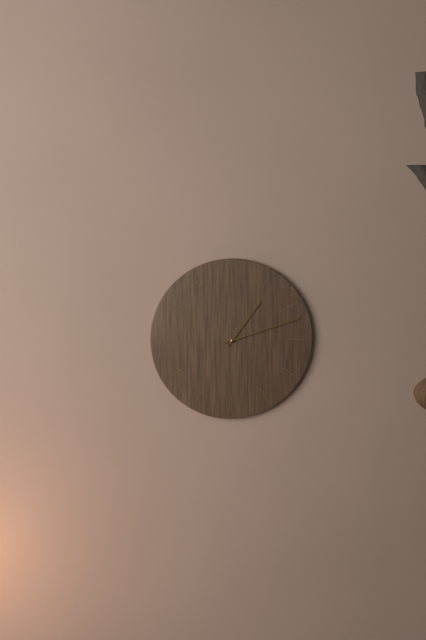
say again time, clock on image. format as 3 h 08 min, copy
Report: 1 h 12 min
